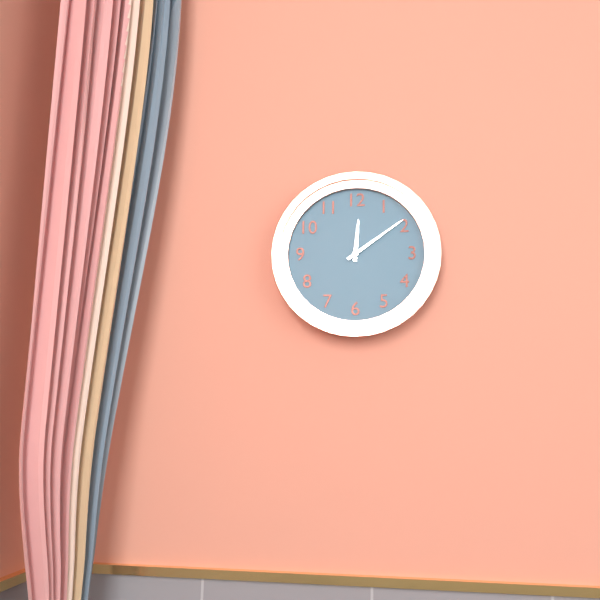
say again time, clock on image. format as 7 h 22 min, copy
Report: 12 h 09 min
